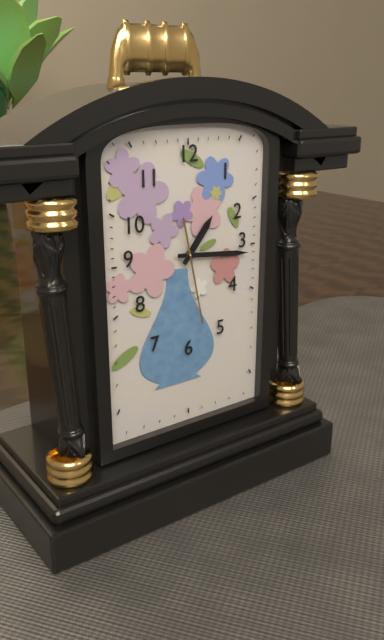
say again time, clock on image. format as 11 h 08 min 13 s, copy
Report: 1 h 16 min 28 s
